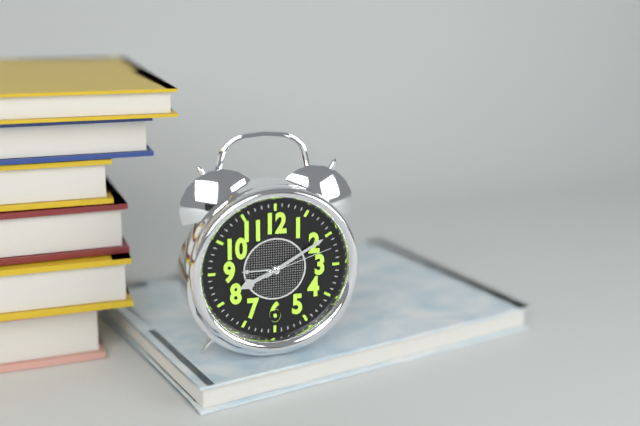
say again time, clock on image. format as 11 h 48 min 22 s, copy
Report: 8 h 10 min 12 s
